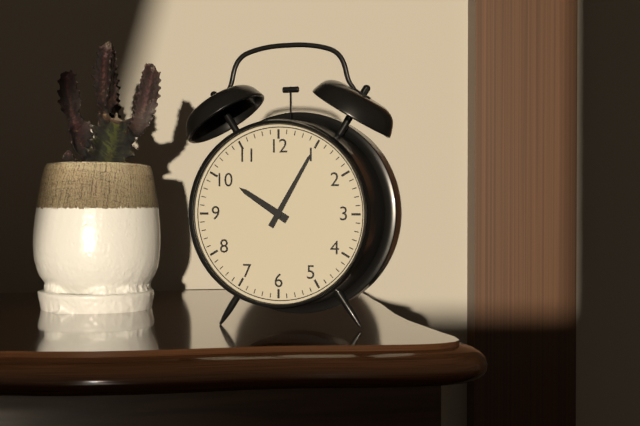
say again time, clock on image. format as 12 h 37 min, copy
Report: 10 h 05 min
